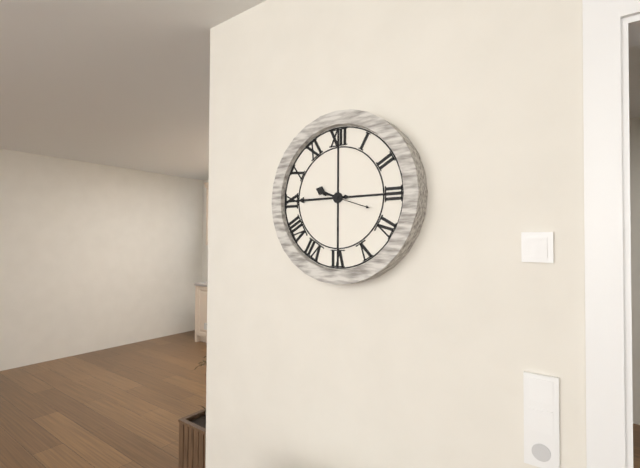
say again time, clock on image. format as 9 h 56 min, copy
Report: 9 h 45 min
